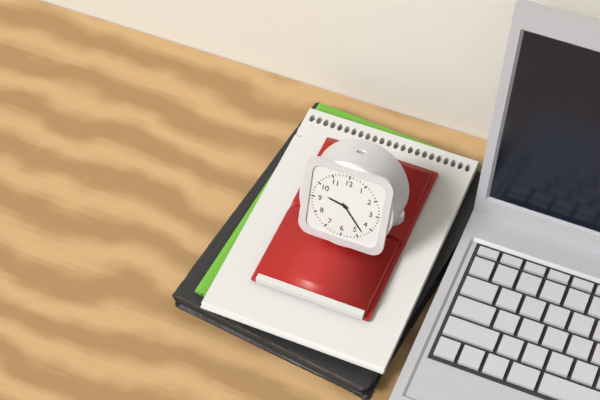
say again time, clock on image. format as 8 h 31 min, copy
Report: 9 h 23 min
